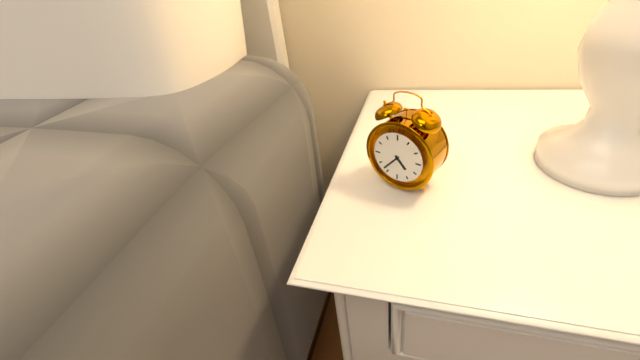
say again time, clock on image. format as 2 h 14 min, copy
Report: 4 h 37 min
